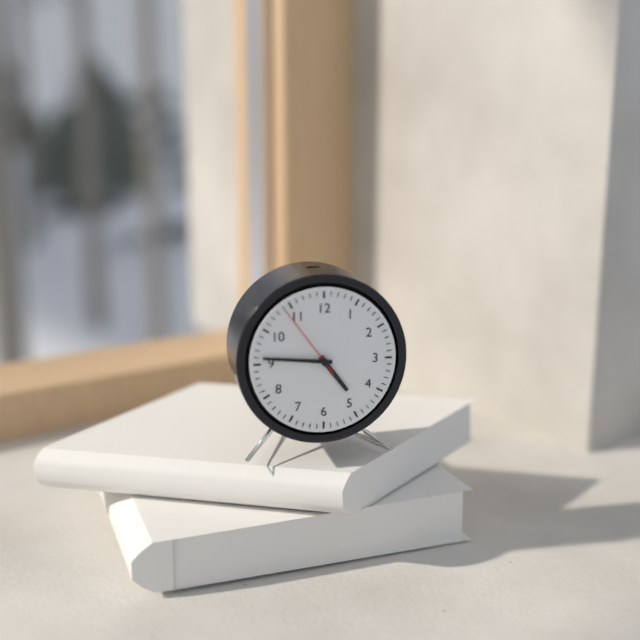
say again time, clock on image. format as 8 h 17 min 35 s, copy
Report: 4 h 46 min 54 s
